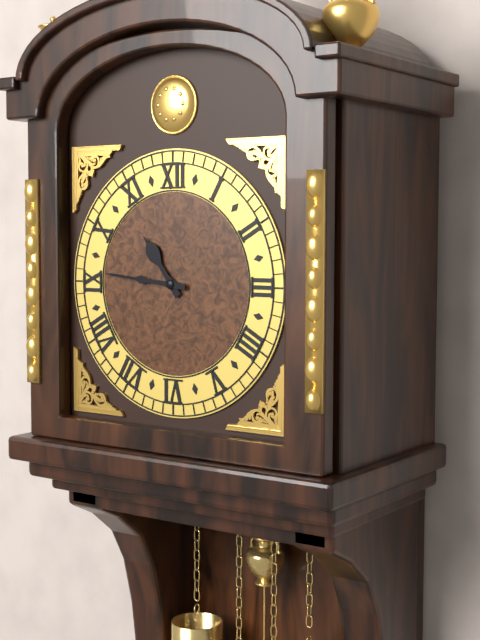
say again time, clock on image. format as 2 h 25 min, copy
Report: 10 h 46 min
